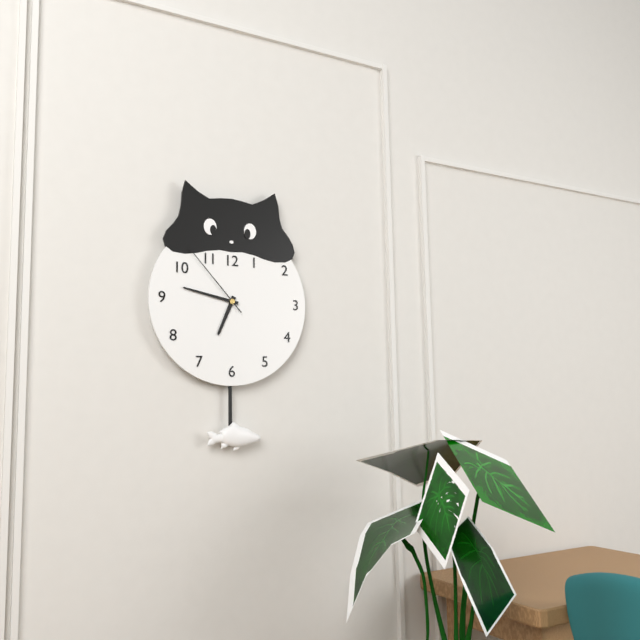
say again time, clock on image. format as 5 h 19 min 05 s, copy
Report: 6 h 47 min 53 s
